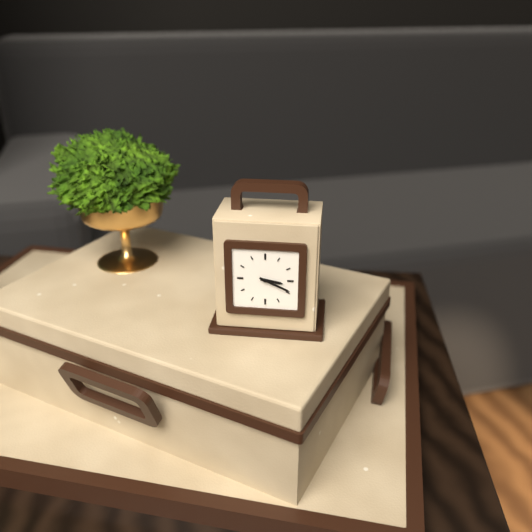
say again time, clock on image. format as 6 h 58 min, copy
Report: 3 h 19 min
